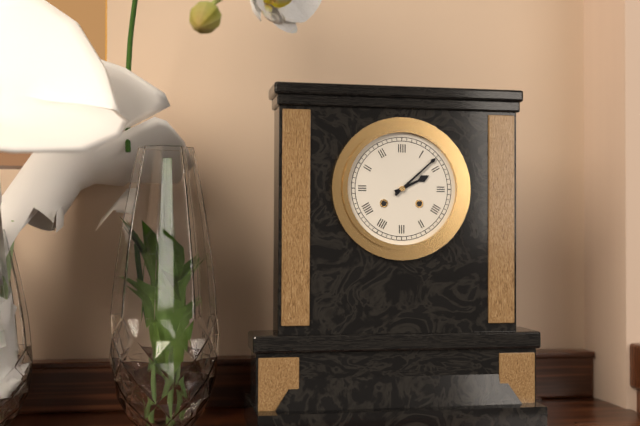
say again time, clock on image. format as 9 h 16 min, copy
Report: 2 h 08 min
